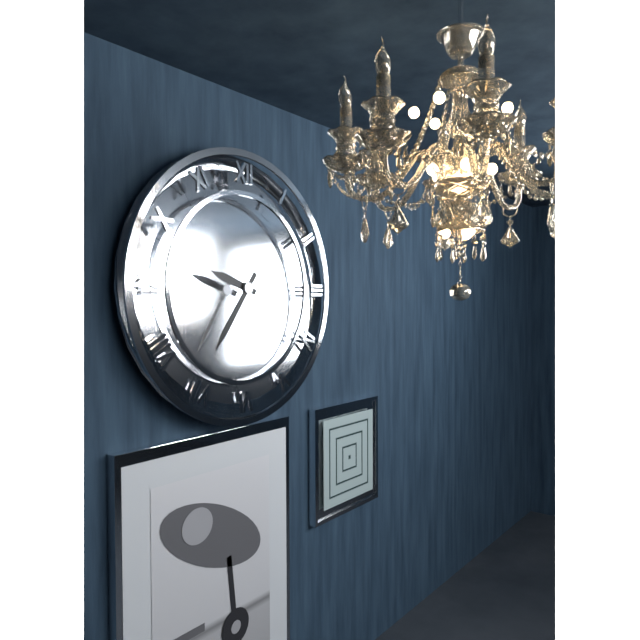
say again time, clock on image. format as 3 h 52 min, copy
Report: 9 h 36 min
